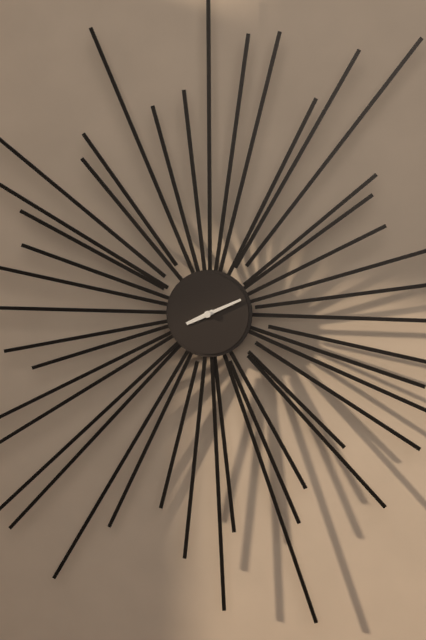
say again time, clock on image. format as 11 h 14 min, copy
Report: 8 h 11 min
